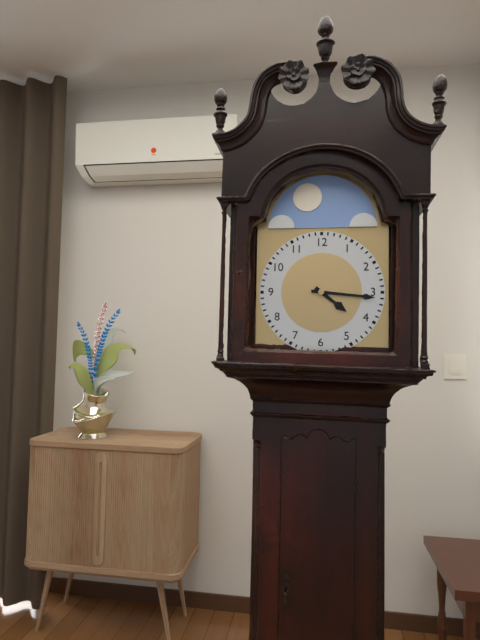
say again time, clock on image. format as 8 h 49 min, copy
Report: 4 h 16 min
